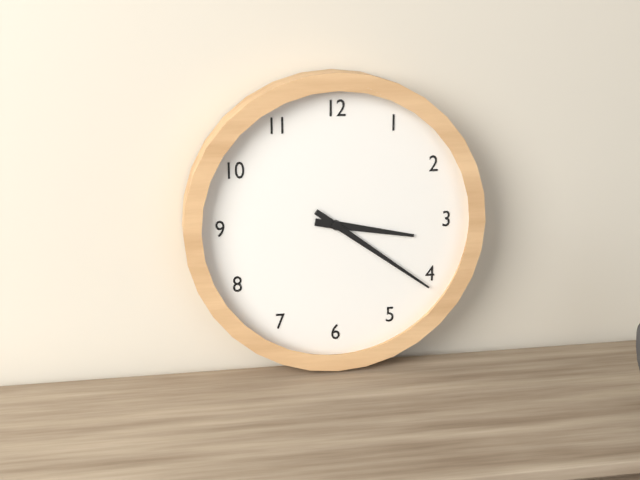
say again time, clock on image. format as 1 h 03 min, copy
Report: 3 h 21 min
